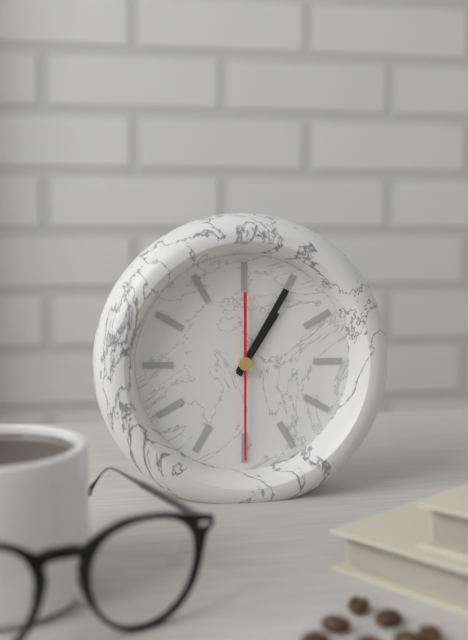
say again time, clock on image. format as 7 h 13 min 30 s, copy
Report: 1 h 05 min 30 s
